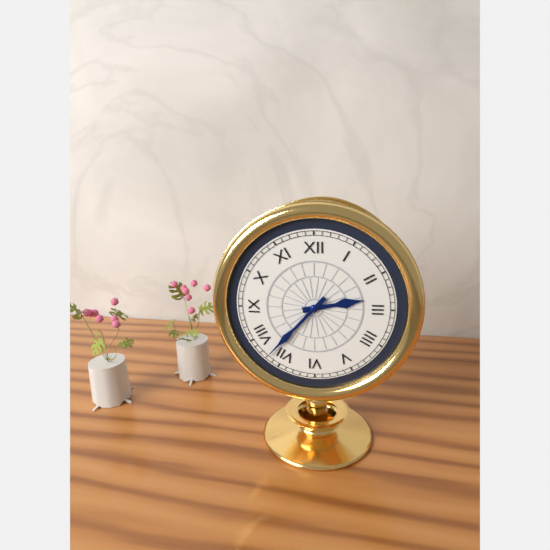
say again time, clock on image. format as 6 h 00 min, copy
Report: 2 h 37 min
